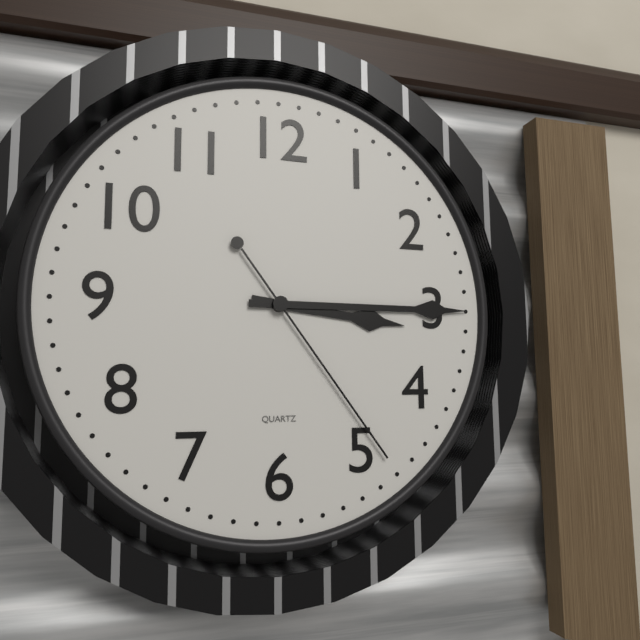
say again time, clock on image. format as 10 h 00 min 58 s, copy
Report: 3 h 15 min 24 s
